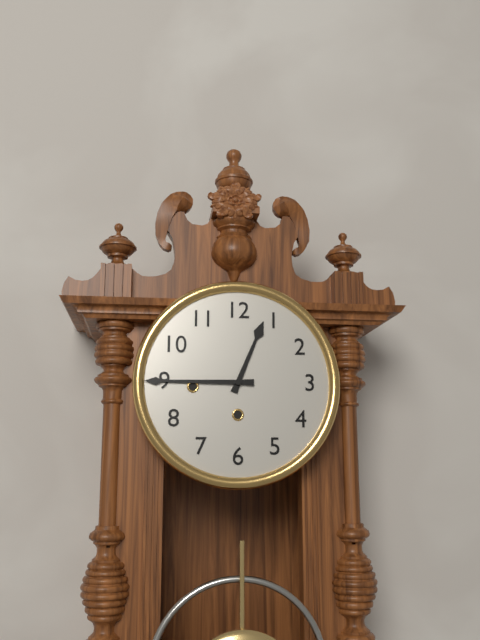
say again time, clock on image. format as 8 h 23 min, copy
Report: 12 h 45 min
